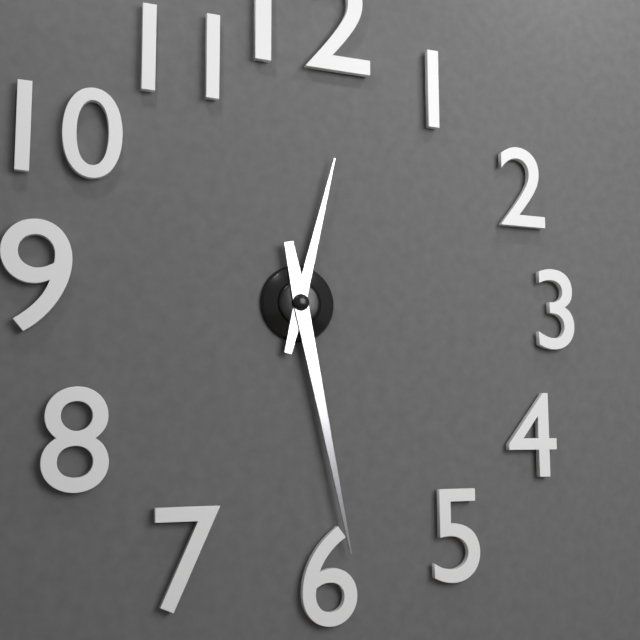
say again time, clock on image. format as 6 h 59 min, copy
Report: 12 h 28 min
